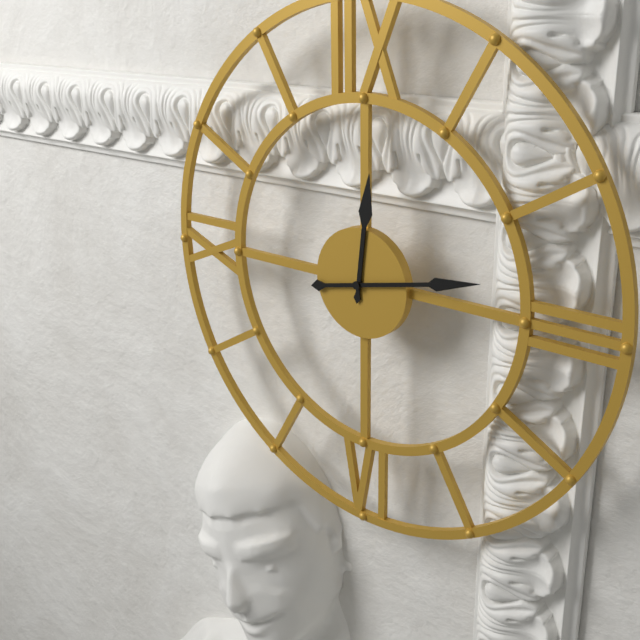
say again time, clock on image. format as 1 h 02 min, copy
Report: 12 h 13 min
